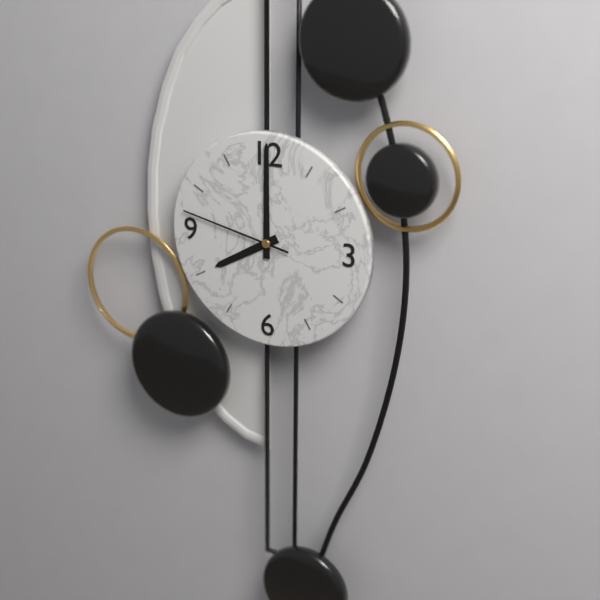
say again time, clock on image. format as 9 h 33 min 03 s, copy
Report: 8 h 00 min 47 s
